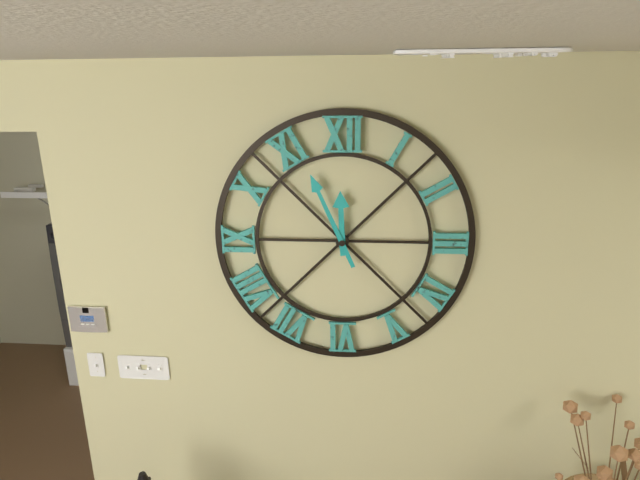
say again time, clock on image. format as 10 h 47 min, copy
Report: 11 h 56 min
